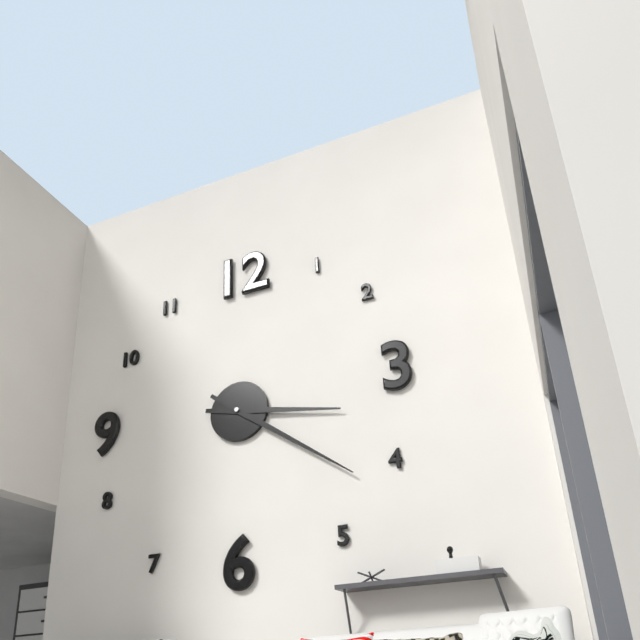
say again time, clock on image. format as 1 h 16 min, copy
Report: 3 h 21 min
